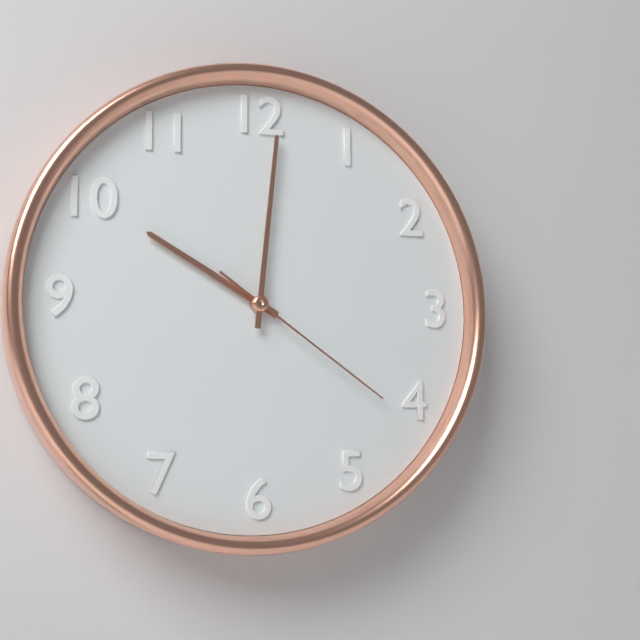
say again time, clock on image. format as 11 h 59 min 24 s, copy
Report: 10 h 01 min 21 s
